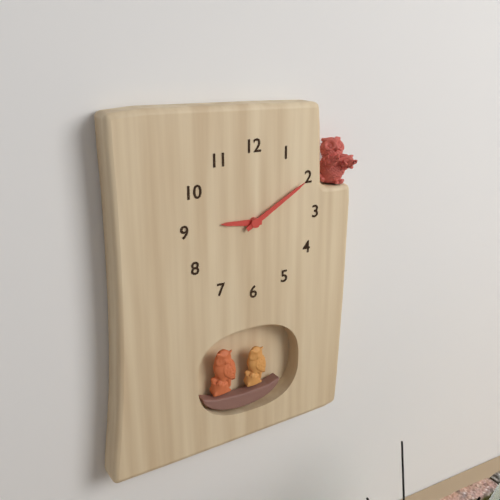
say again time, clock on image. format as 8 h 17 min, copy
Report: 9 h 10 min
